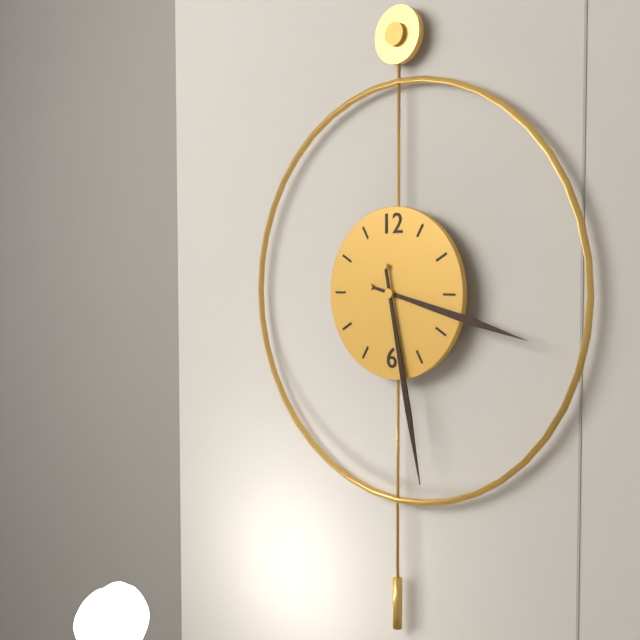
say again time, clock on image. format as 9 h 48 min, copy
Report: 3 h 28 min
